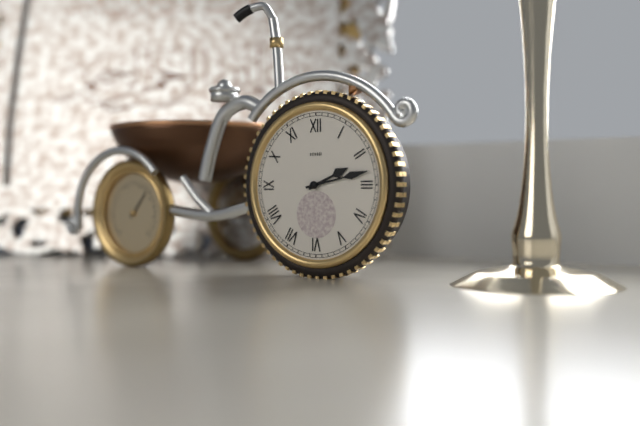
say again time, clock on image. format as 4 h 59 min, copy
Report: 2 h 13 min
